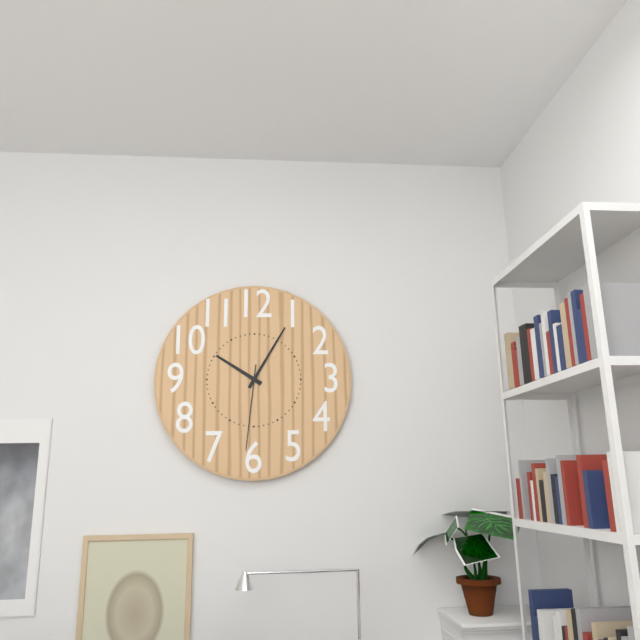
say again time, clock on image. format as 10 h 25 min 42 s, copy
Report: 10 h 05 min 31 s
